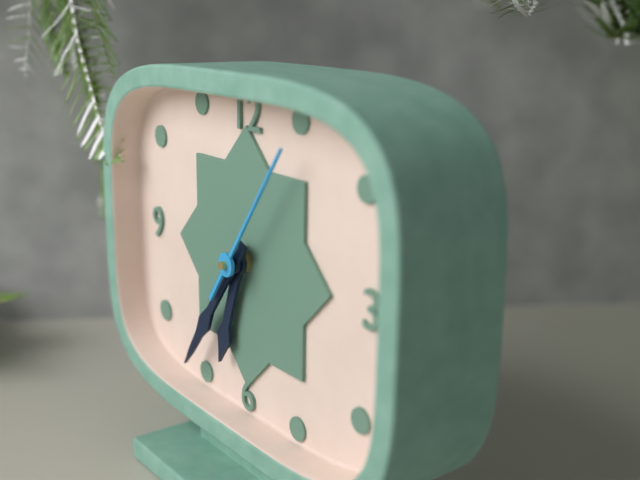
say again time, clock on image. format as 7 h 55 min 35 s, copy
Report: 6 h 36 min 06 s
